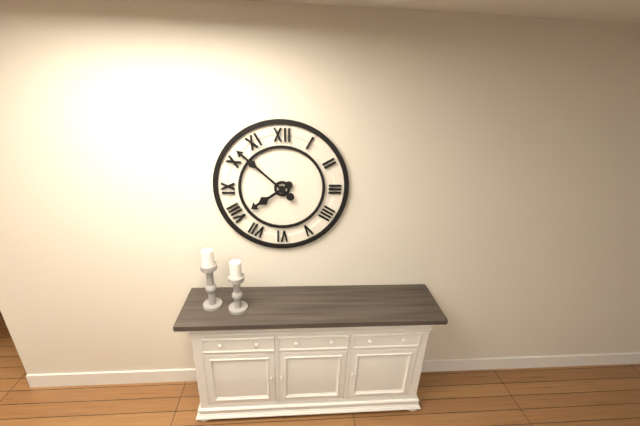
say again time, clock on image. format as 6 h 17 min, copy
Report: 7 h 52 min
